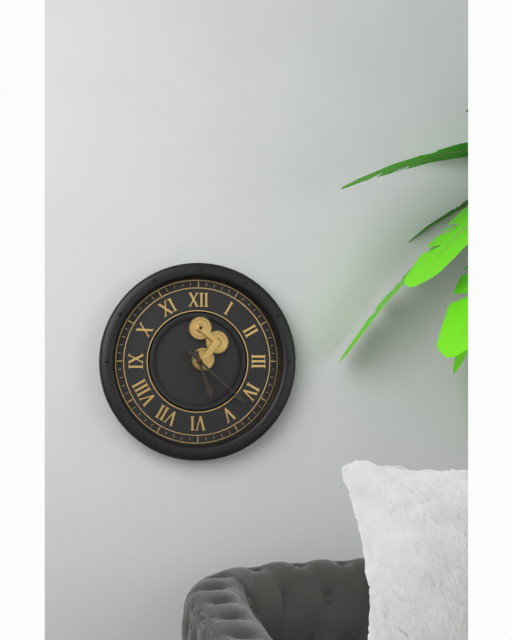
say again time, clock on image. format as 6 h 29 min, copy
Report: 5 h 22 min
